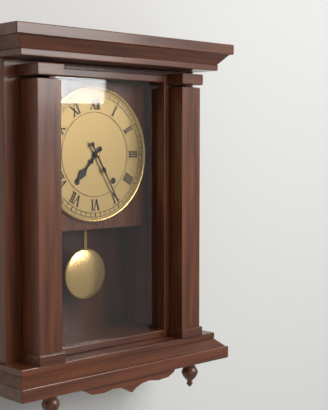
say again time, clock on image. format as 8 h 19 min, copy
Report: 7 h 25 min
